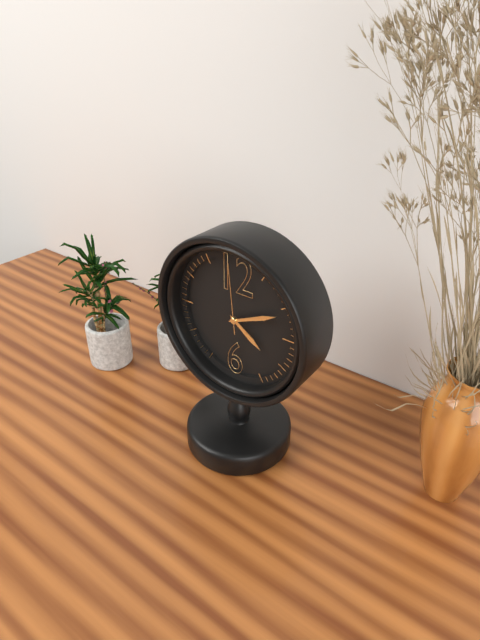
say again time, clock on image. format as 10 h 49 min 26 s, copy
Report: 4 h 11 min 59 s
